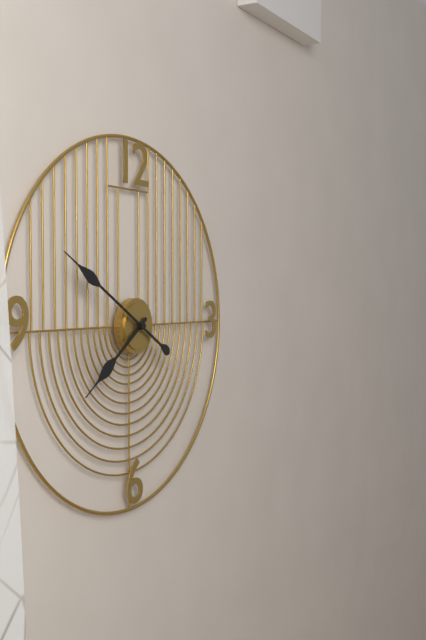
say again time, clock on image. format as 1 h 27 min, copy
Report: 7 h 50 min
